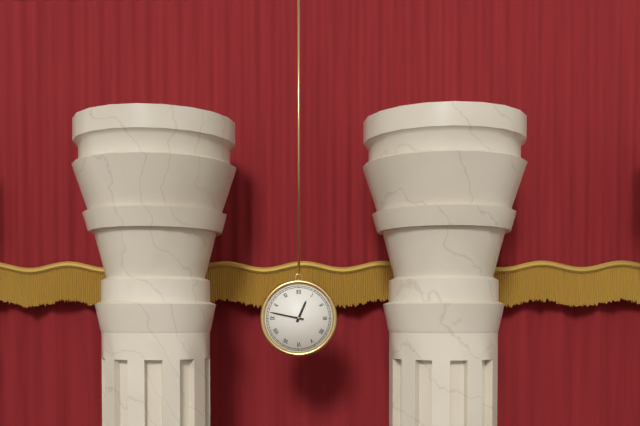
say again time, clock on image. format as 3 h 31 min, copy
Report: 12 h 47 min
